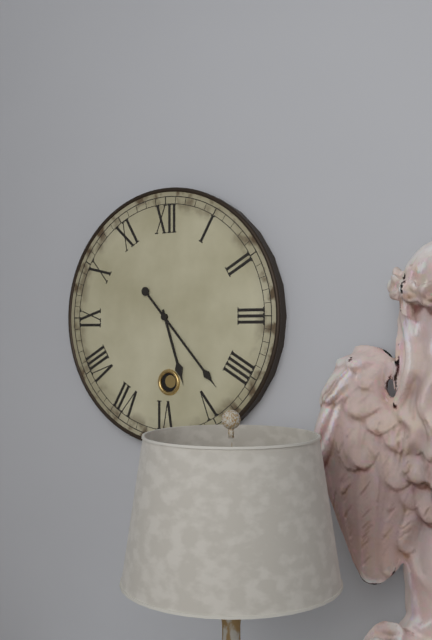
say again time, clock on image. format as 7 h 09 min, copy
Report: 5 h 23 min
